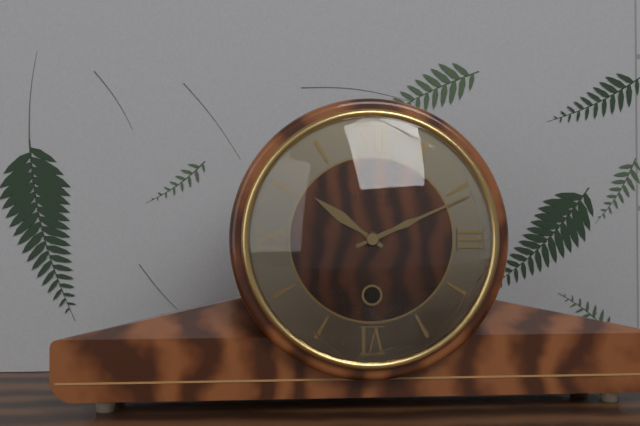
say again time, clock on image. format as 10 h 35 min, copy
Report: 10 h 11 min
